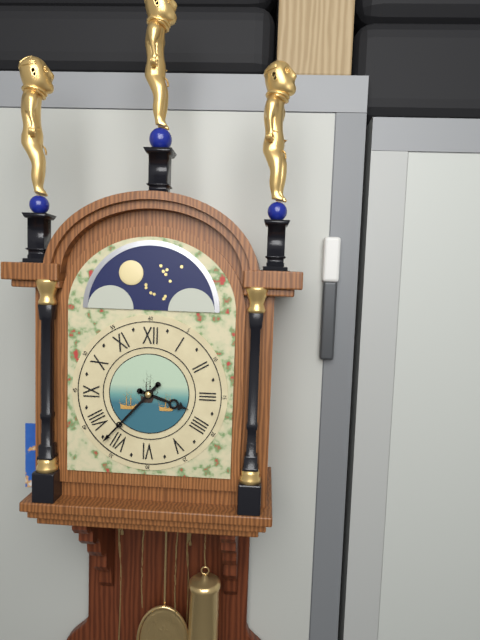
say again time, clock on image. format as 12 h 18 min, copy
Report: 3 h 37 min
